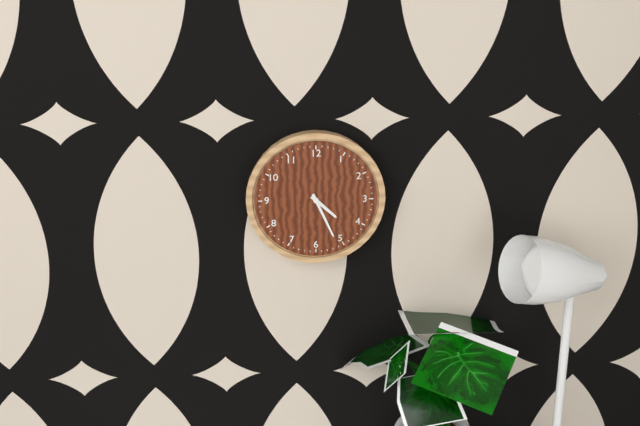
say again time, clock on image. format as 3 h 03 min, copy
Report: 4 h 26 min
